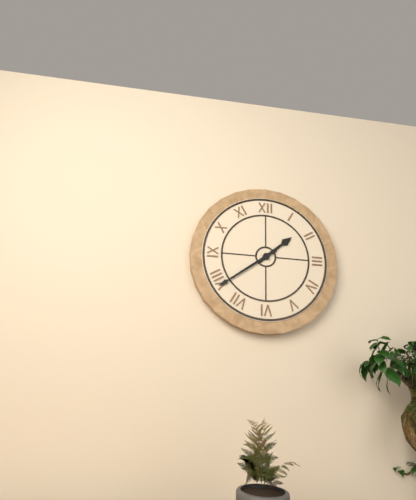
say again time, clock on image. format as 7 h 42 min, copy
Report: 1 h 39 min
